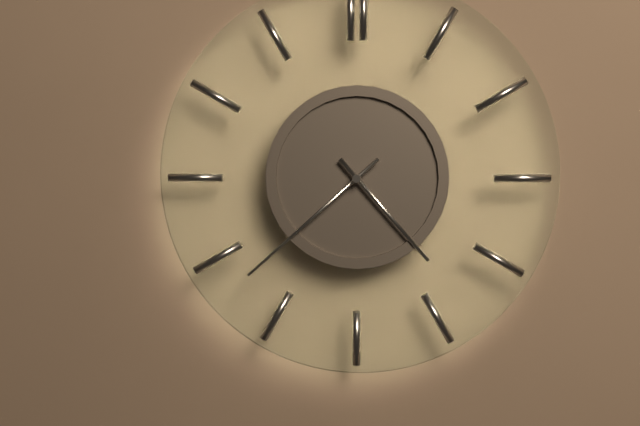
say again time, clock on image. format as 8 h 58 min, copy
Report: 4 h 38 min
